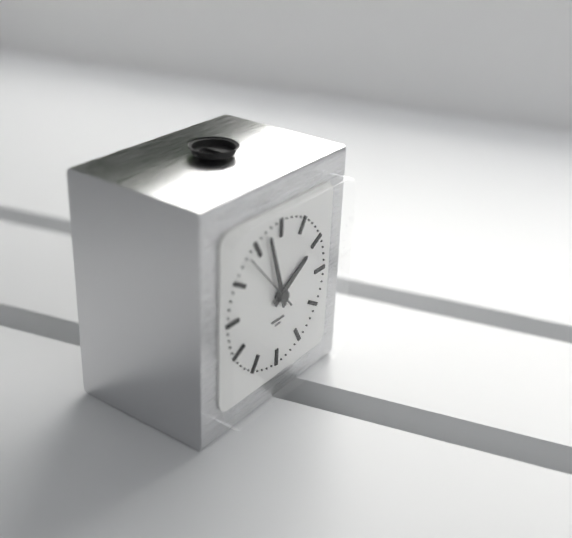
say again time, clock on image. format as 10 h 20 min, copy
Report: 1 h 57 min
